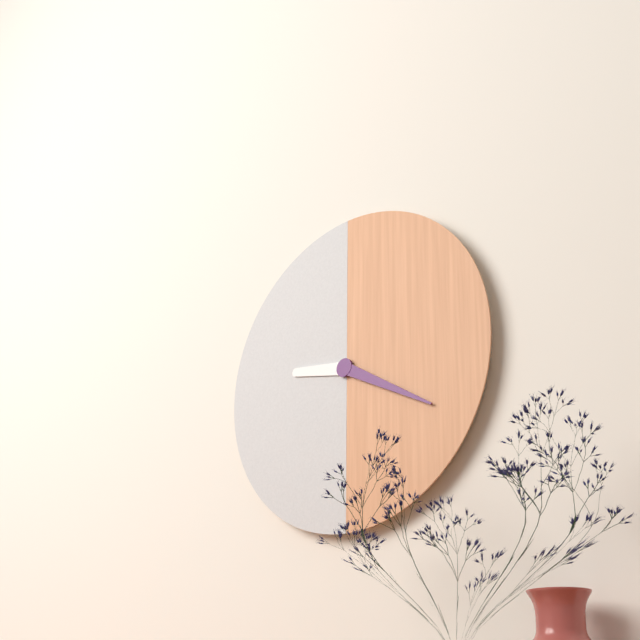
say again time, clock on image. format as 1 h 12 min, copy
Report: 9 h 20 min
